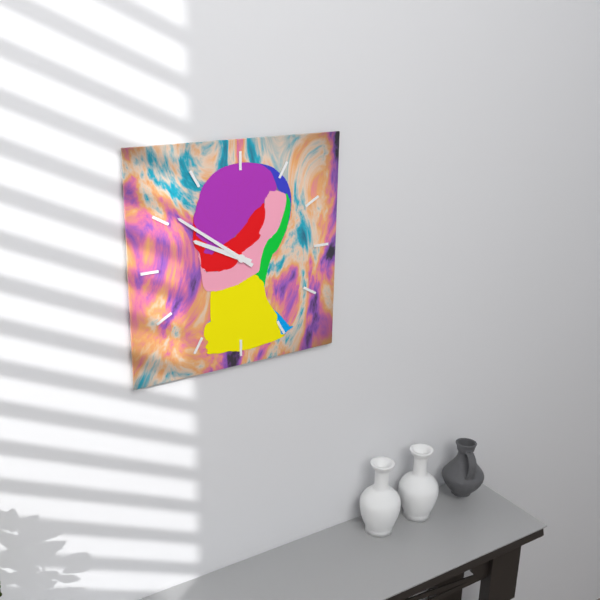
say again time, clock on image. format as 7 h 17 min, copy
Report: 9 h 51 min
